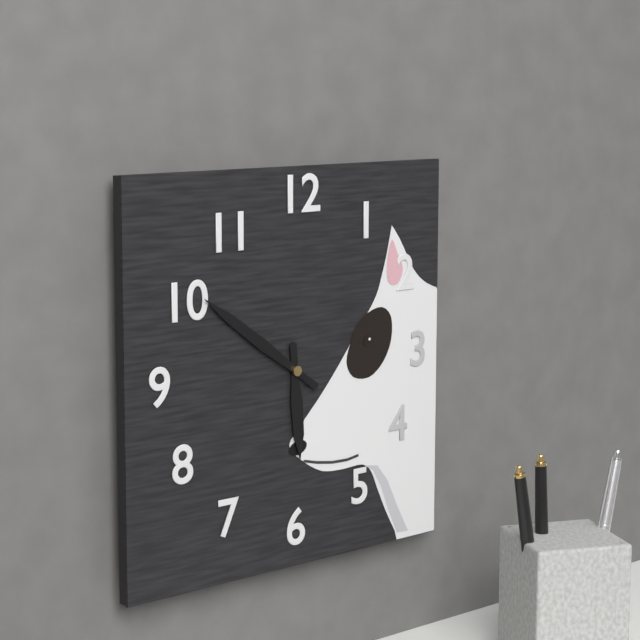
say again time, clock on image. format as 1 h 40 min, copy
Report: 5 h 51 min
